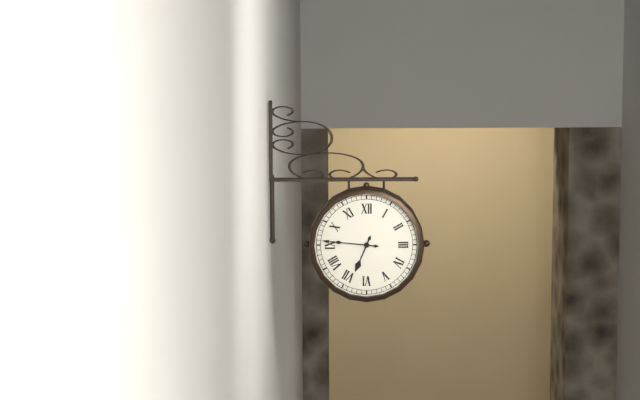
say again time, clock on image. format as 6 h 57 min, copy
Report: 6 h 46 min
